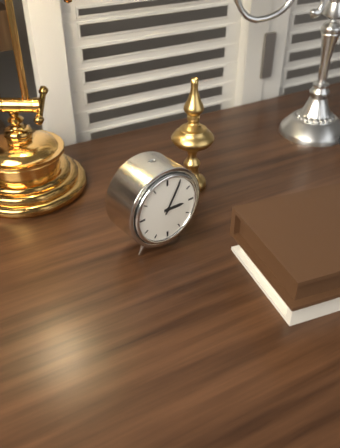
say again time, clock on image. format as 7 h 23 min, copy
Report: 3 h 05 min
